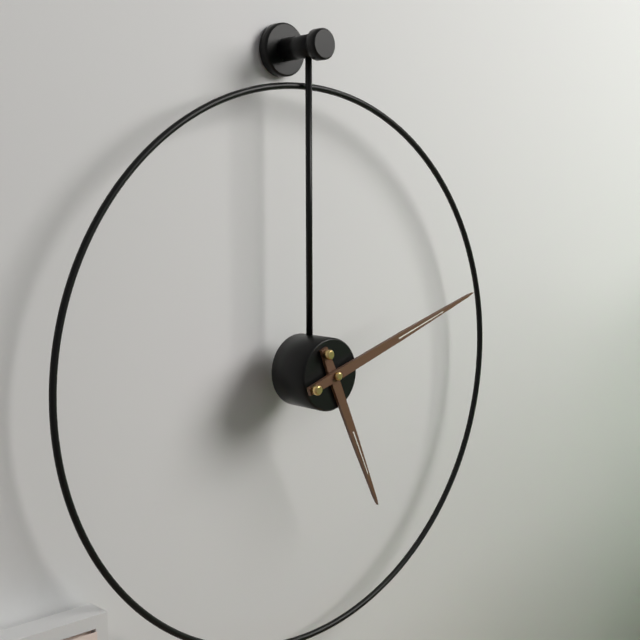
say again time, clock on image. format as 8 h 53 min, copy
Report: 5 h 12 min
